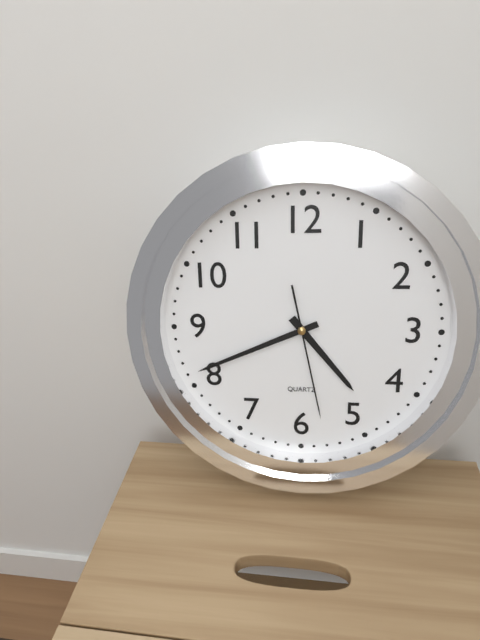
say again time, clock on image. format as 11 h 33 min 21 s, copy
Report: 4 h 41 min 28 s
